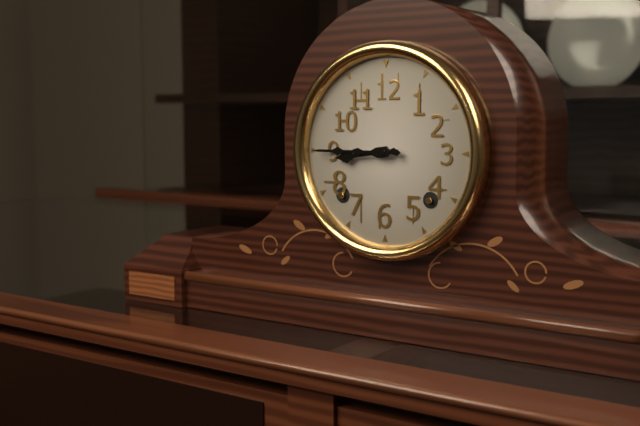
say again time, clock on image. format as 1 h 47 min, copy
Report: 8 h 45 min
